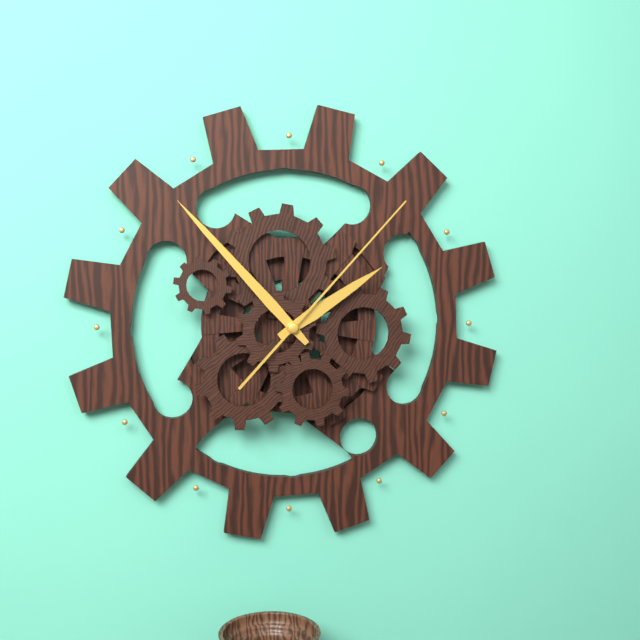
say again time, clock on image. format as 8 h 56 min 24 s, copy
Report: 1 h 53 min 07 s
